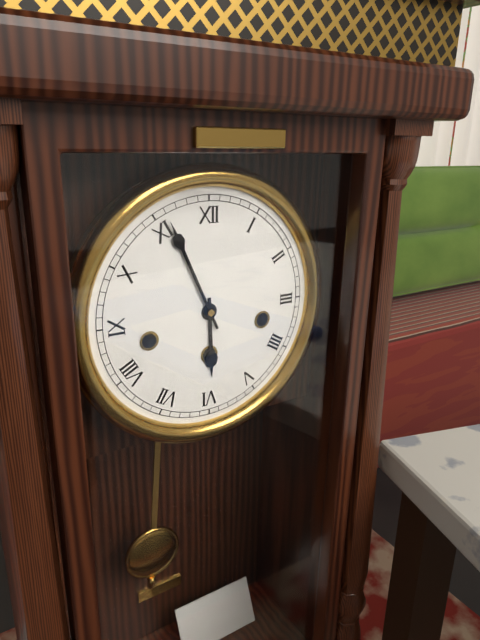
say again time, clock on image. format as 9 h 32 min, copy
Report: 5 h 56 min
